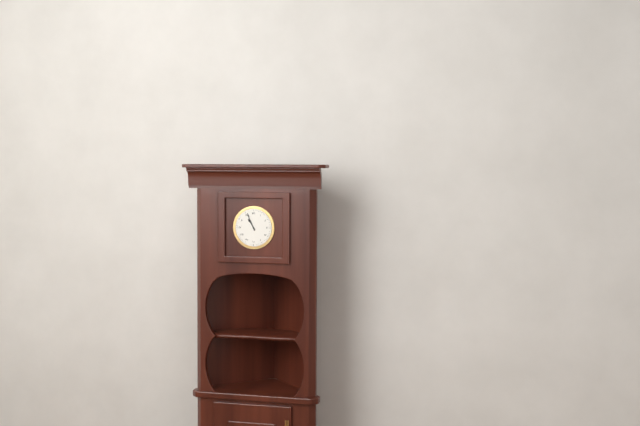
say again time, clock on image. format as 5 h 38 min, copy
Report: 10 h 56 min
